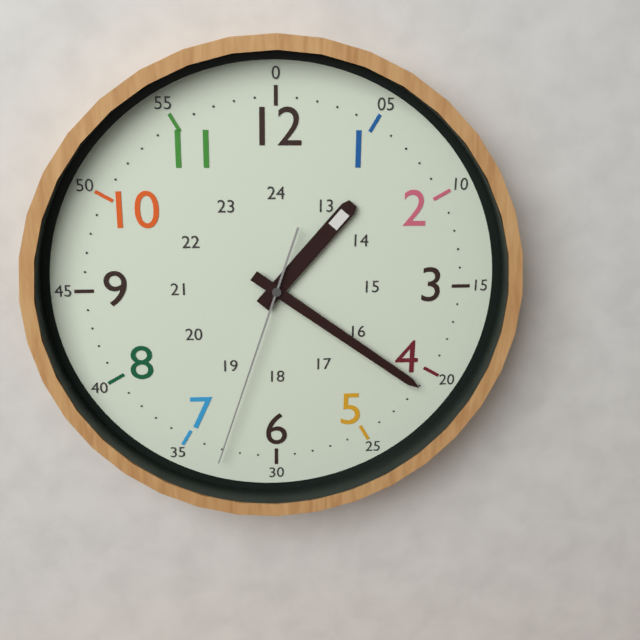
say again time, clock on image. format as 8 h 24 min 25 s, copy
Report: 1 h 21 min 33 s
